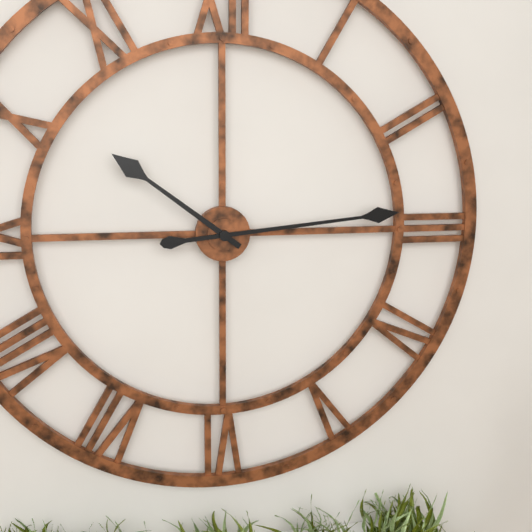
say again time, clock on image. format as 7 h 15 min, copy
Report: 10 h 14 min
